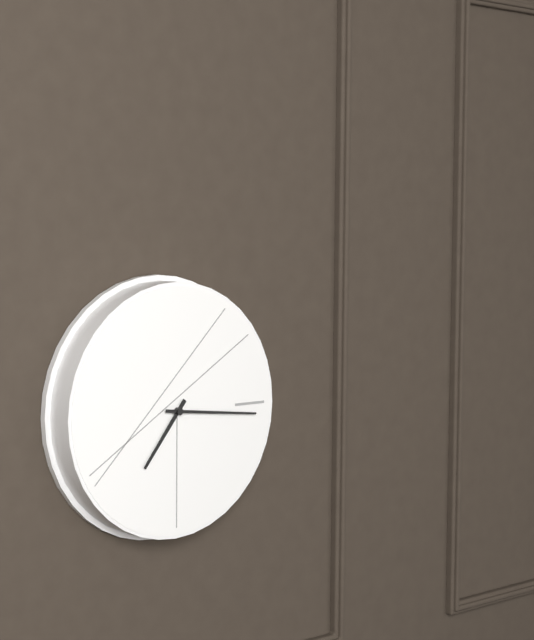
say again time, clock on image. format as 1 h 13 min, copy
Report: 7 h 16 min
